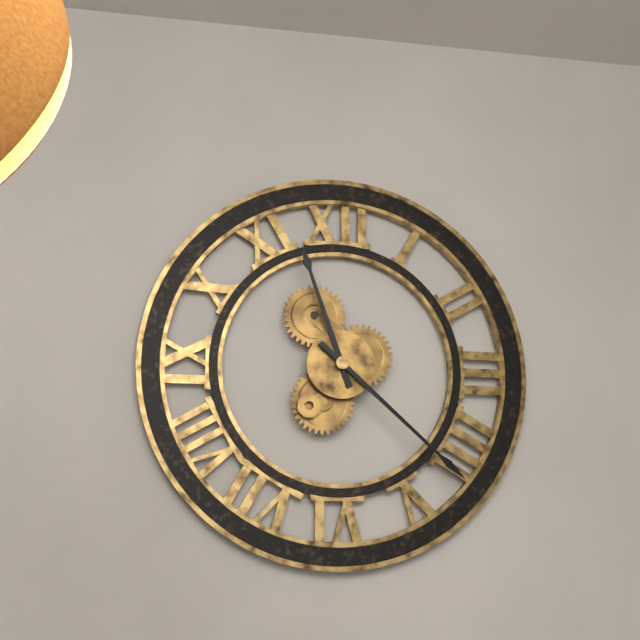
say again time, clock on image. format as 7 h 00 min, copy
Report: 11 h 22 min
